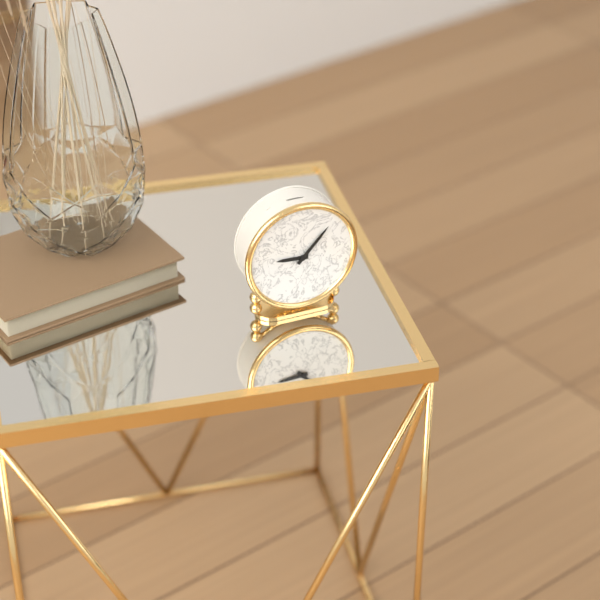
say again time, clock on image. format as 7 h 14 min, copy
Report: 9 h 07 min
